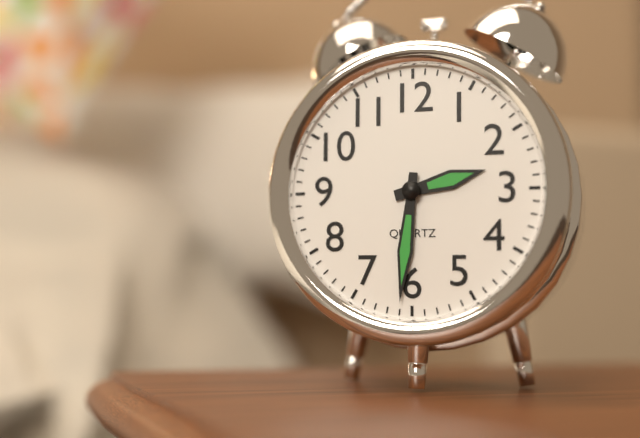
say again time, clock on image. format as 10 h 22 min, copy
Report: 2 h 31 min
